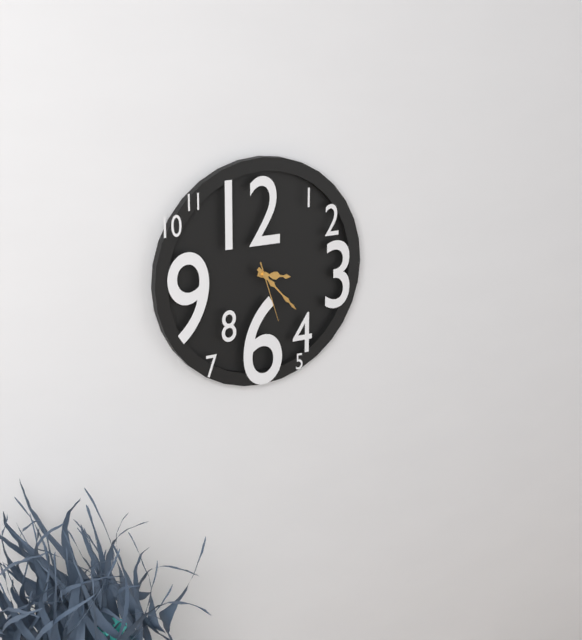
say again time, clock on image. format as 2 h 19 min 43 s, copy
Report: 3 h 23 min 27 s
